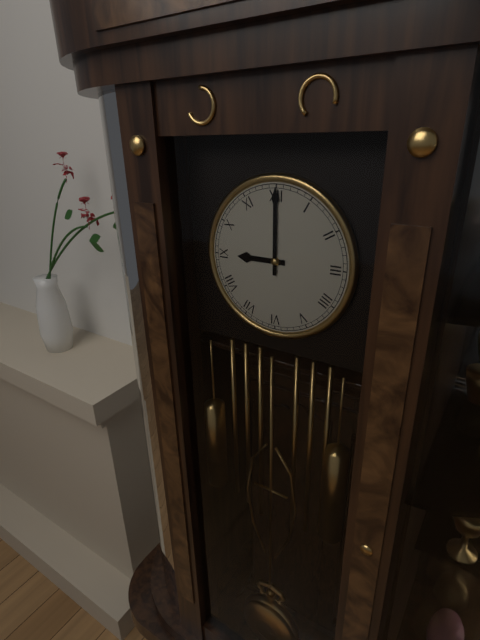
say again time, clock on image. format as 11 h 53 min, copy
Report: 9 h 00 min
